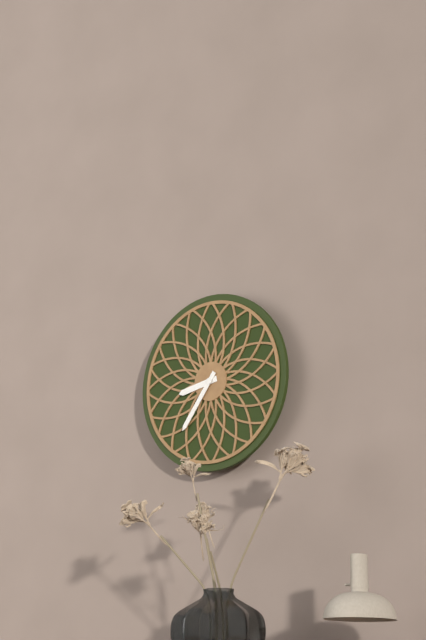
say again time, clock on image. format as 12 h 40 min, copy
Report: 8 h 36 min
